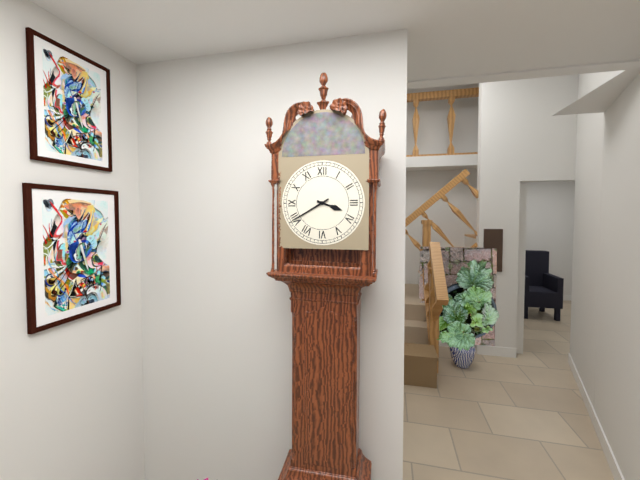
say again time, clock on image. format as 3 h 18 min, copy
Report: 3 h 40 min
